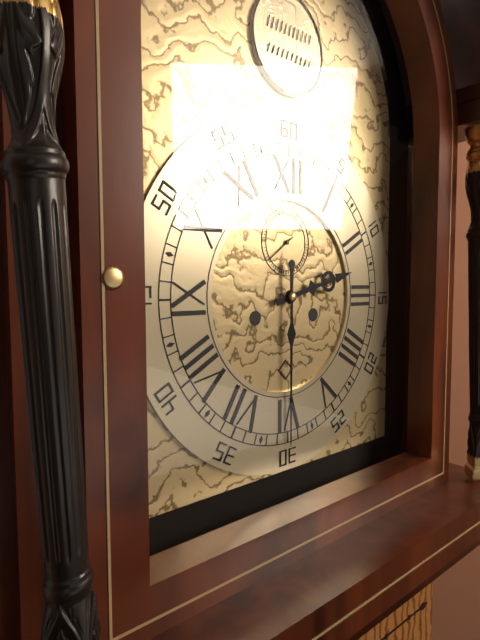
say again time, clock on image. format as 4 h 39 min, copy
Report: 2 h 30 min
